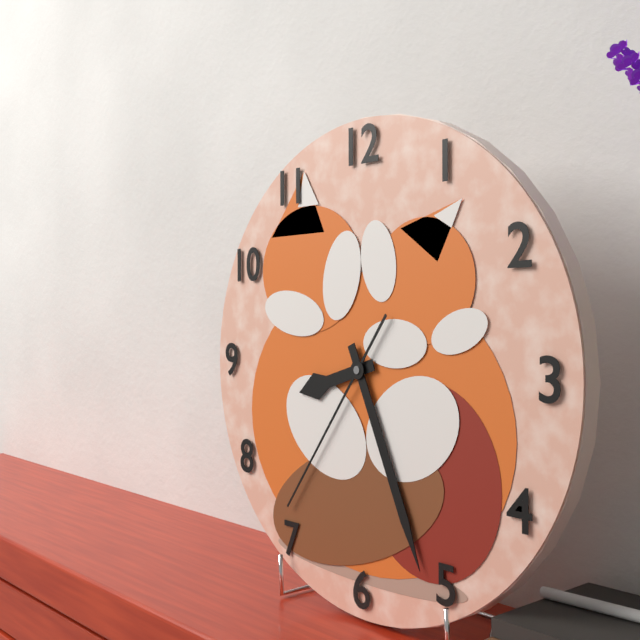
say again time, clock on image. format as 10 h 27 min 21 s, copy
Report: 8 h 26 min 36 s
